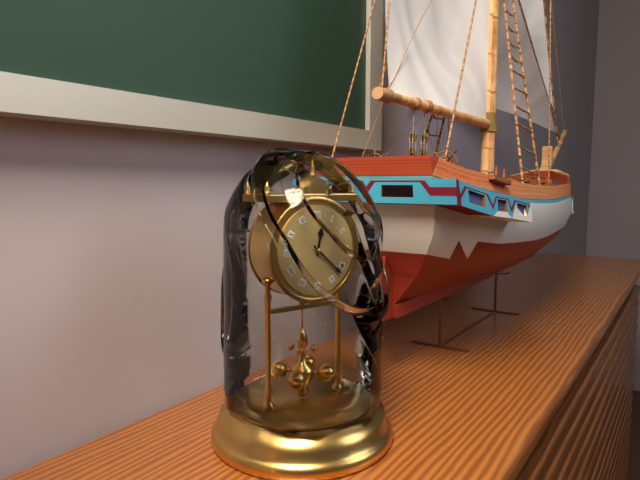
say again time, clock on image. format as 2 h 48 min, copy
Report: 12 h 22 min
